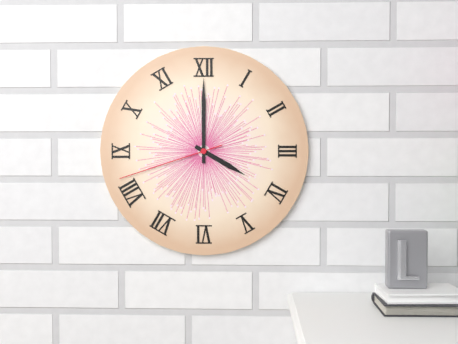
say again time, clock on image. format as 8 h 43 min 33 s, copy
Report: 4 h 00 min 42 s
